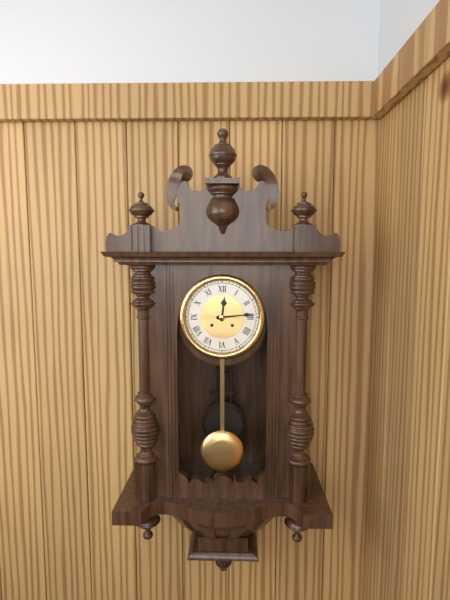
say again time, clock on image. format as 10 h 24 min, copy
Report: 12 h 14 min
